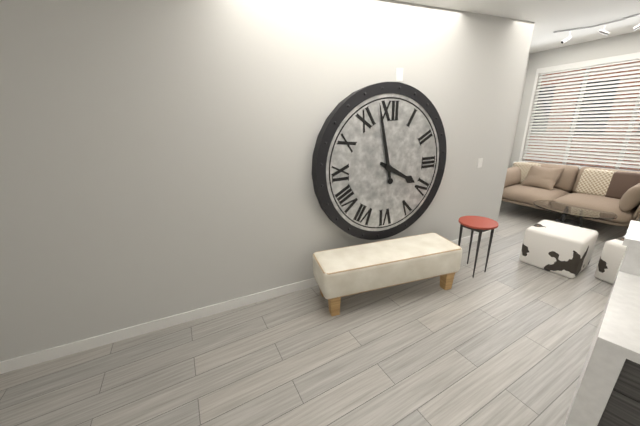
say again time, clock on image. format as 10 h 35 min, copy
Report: 3 h 58 min
